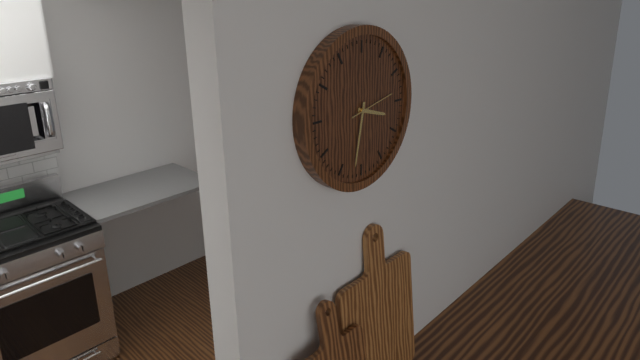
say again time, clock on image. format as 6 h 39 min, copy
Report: 3 h 32 min
